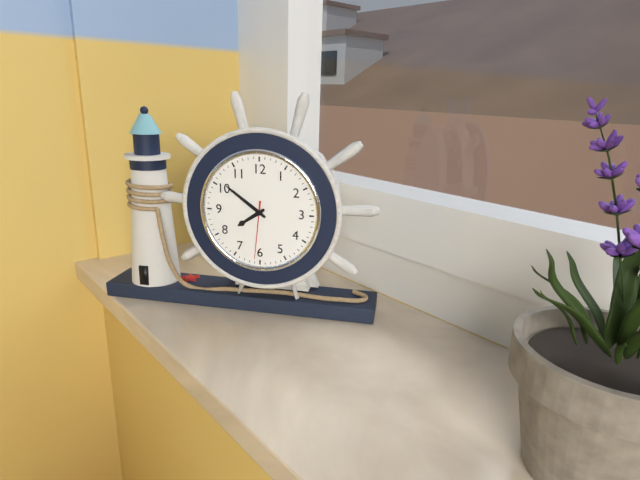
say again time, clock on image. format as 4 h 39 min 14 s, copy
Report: 7 h 51 min 31 s
